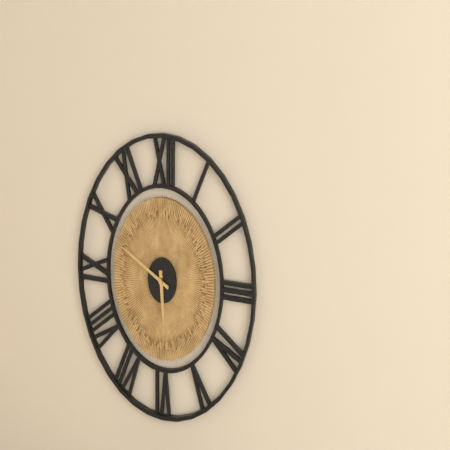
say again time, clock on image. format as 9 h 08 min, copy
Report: 5 h 49 min
